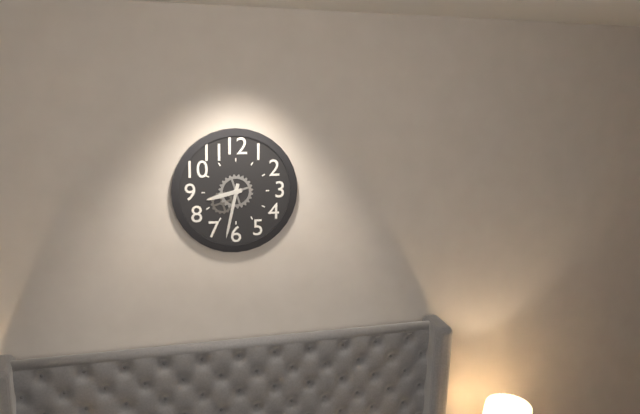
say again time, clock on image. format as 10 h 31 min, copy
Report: 8 h 32 min
